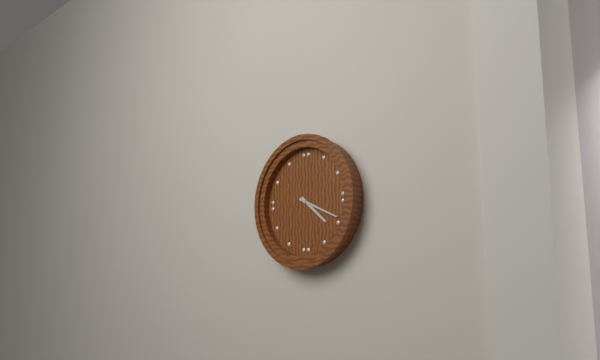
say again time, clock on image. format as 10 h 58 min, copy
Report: 4 h 19 min
